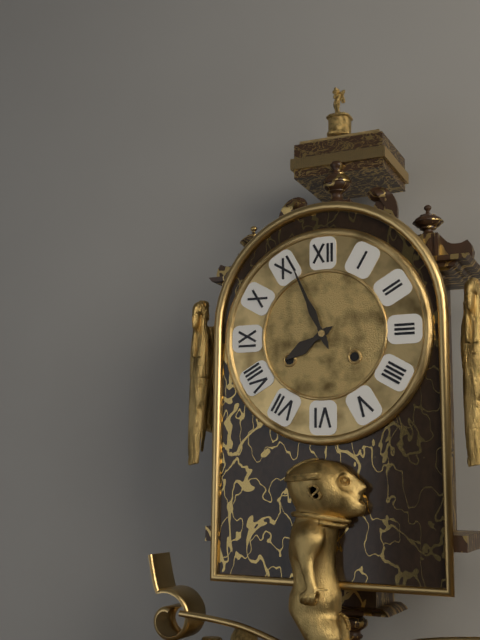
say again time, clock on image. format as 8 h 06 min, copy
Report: 7 h 56 min
